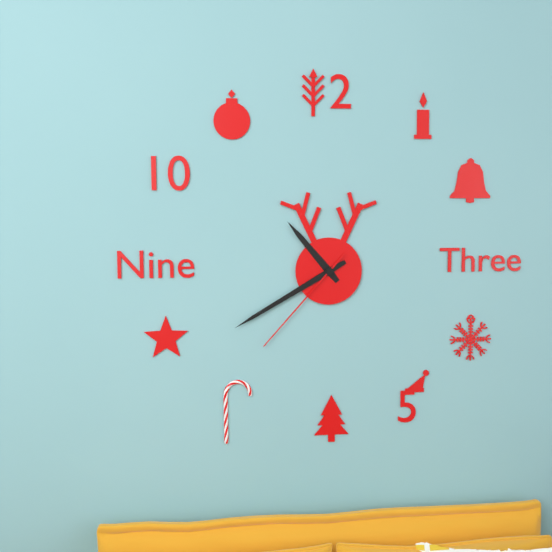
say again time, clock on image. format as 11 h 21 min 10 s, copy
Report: 10 h 40 min 37 s
